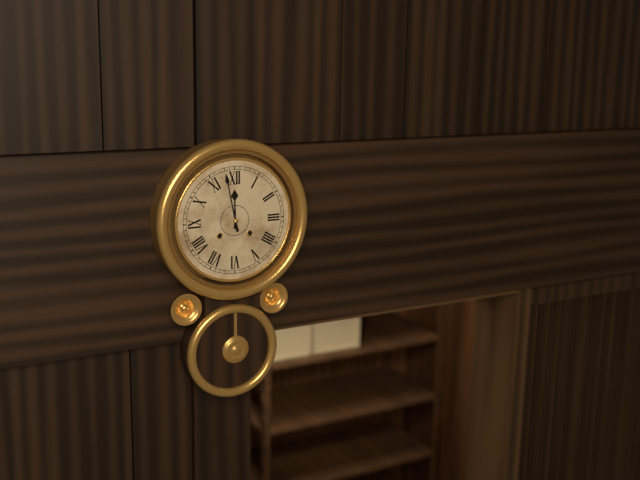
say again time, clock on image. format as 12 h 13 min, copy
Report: 11 h 58 min
